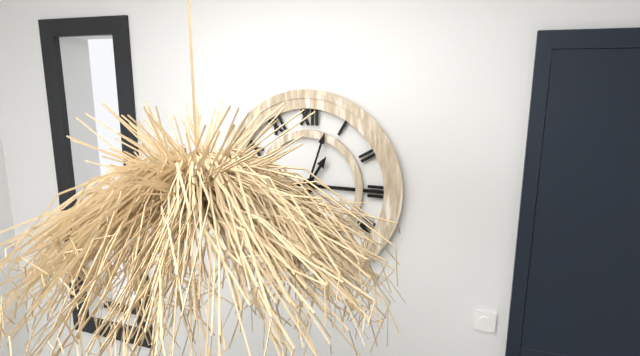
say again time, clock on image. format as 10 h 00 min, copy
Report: 1 h 03 min
